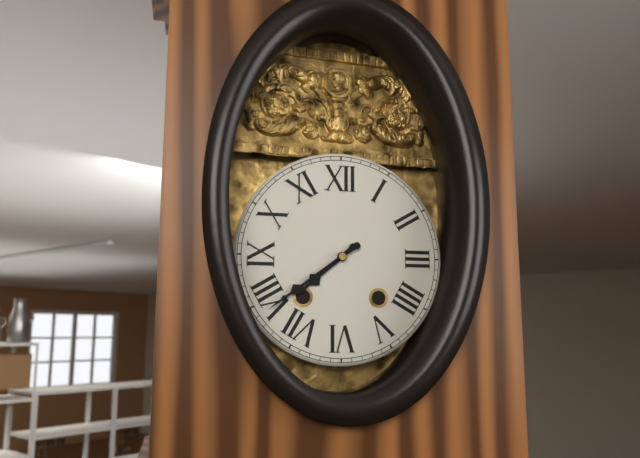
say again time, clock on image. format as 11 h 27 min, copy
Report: 7 h 39 min
